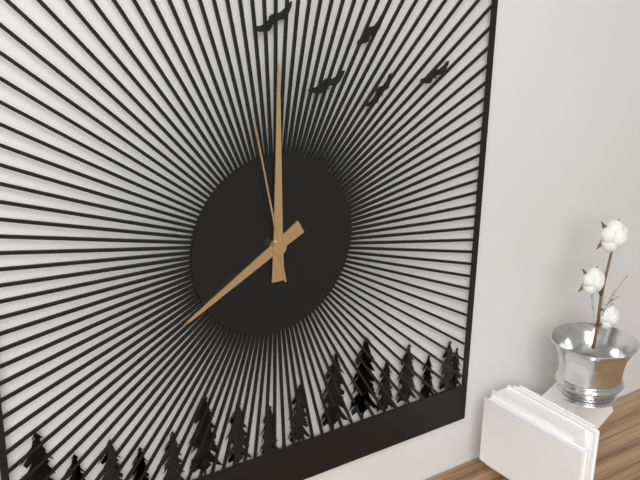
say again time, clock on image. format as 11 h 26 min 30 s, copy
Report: 8 h 00 min 58 s
